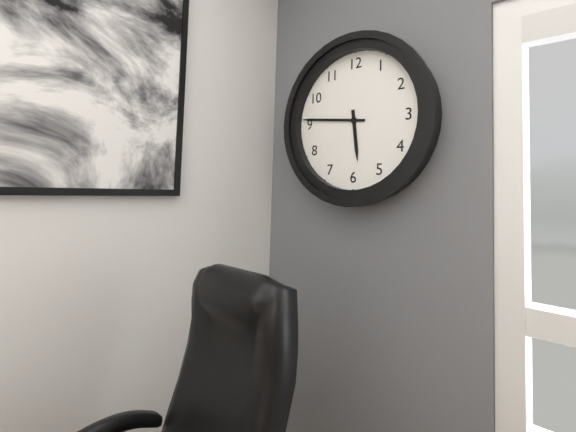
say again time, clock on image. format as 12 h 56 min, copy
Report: 5 h 46 min
